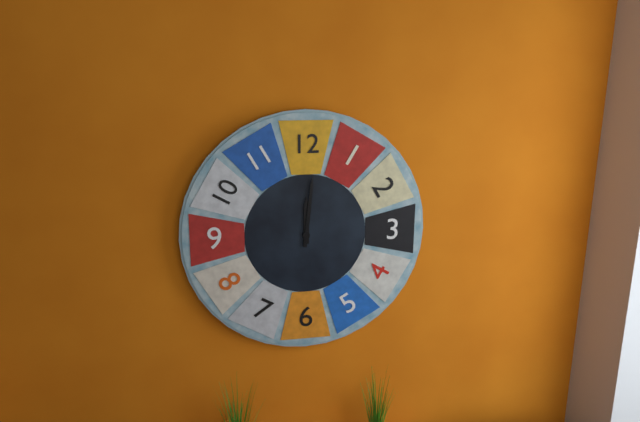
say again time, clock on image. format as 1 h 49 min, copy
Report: 12 h 01 min
